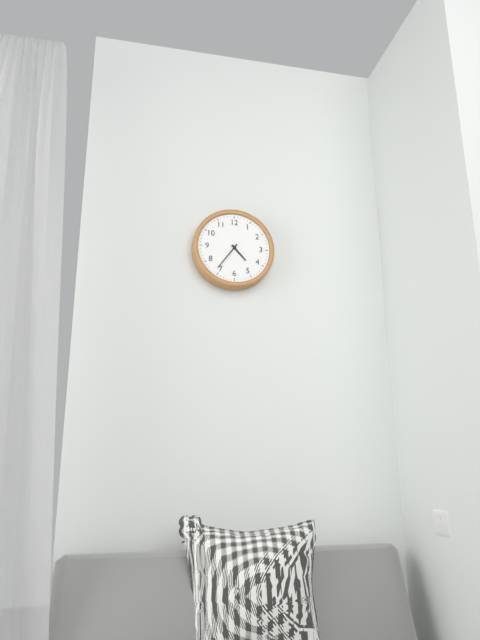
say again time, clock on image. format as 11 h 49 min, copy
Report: 4 h 36 min
